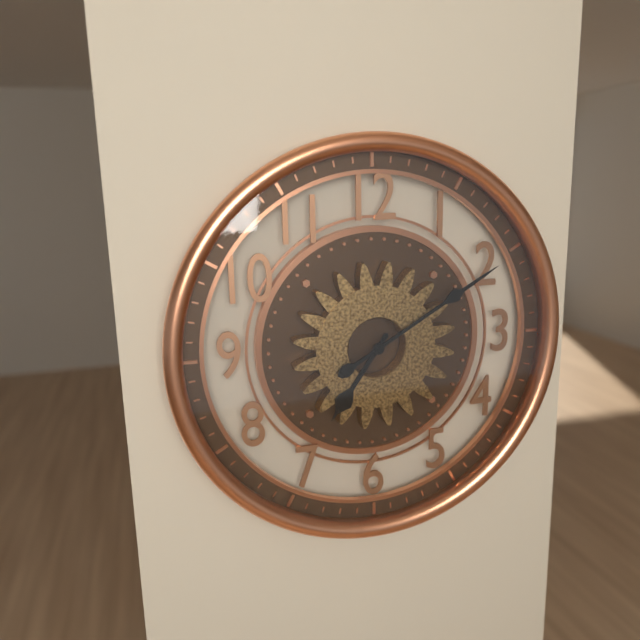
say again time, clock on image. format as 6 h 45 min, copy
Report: 7 h 10 min
